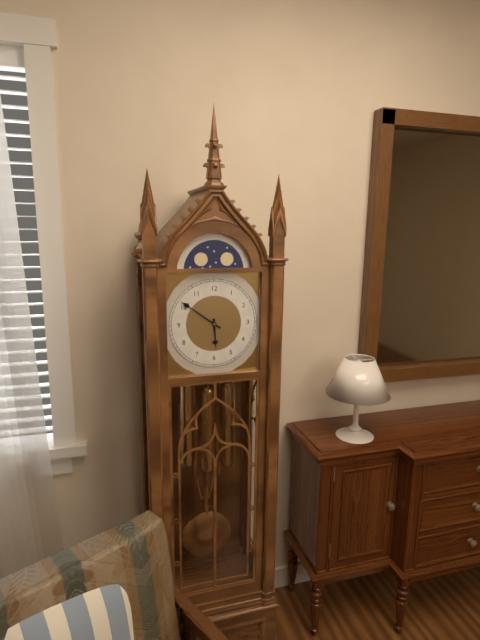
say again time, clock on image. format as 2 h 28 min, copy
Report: 5 h 51 min
